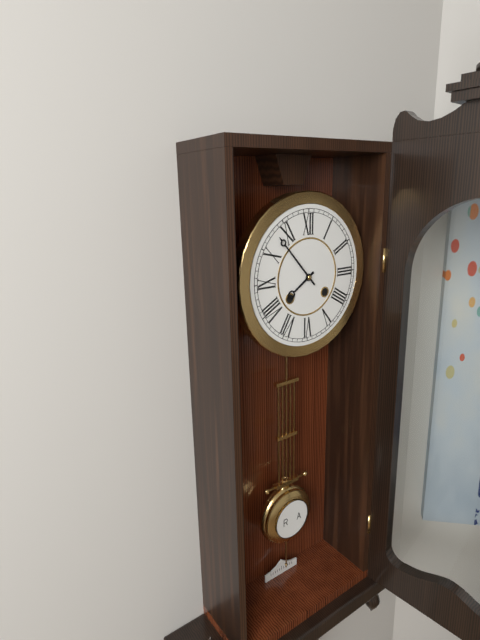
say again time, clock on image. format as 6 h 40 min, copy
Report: 7 h 53 min
